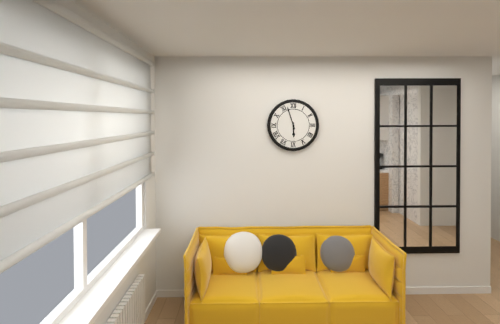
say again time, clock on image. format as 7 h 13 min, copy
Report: 5 h 57 min
